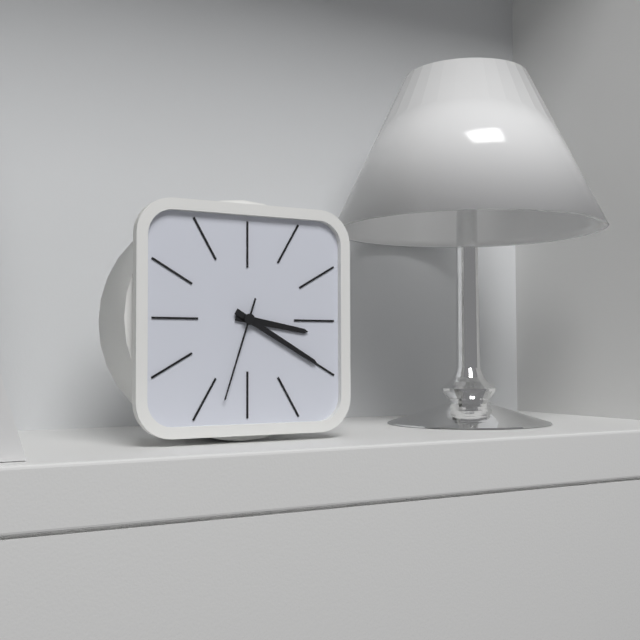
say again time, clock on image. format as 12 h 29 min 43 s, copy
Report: 3 h 20 min 33 s
